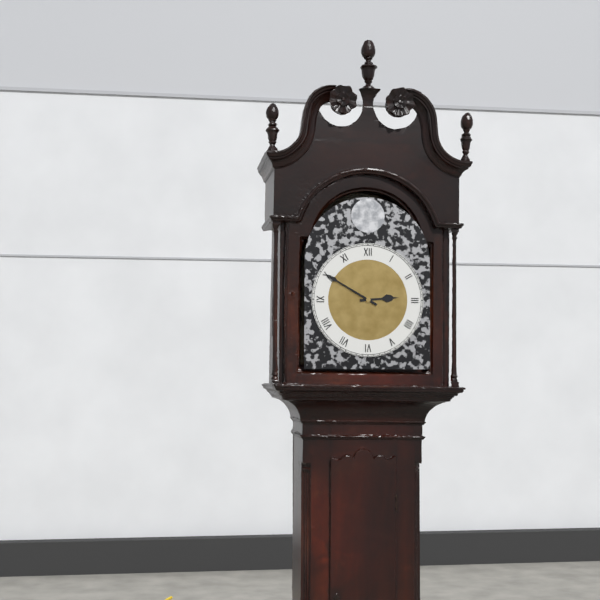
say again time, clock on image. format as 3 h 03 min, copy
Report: 2 h 50 min
